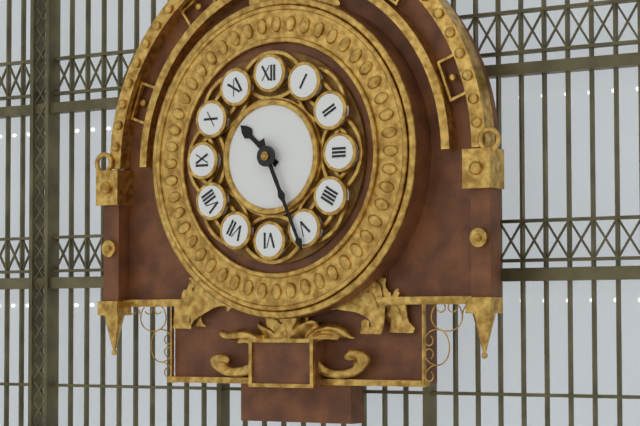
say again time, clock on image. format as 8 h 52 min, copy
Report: 10 h 26 min
